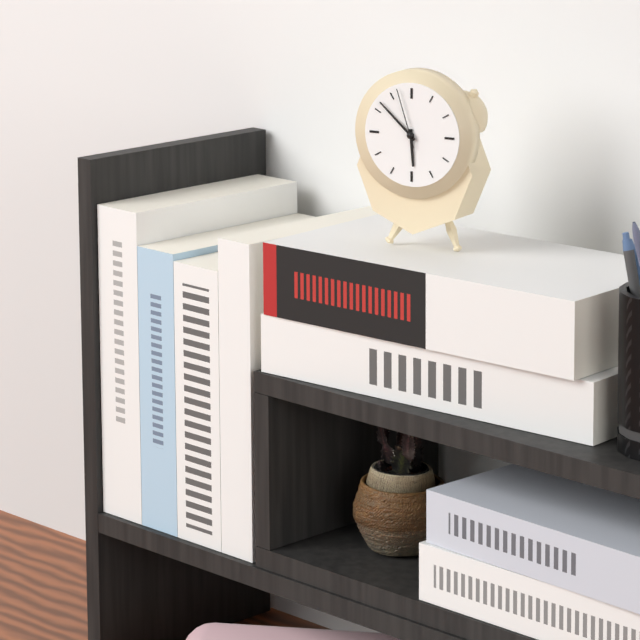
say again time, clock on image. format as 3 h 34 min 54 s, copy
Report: 5 h 52 min 57 s
